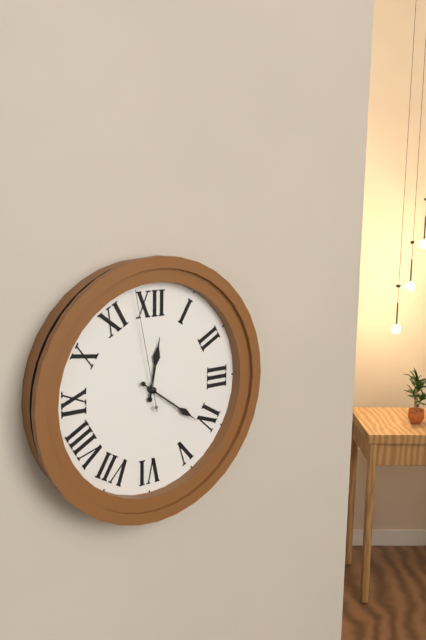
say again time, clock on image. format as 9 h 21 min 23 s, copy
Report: 12 h 21 min 58 s
